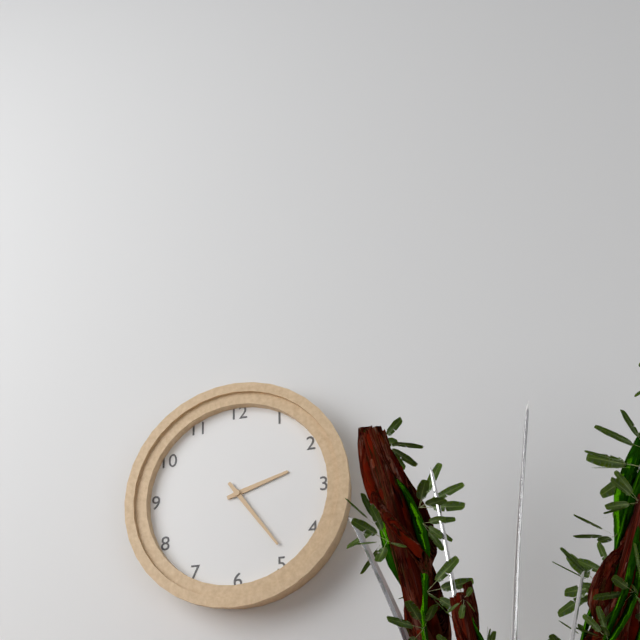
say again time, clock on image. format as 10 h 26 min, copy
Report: 2 h 24 min
